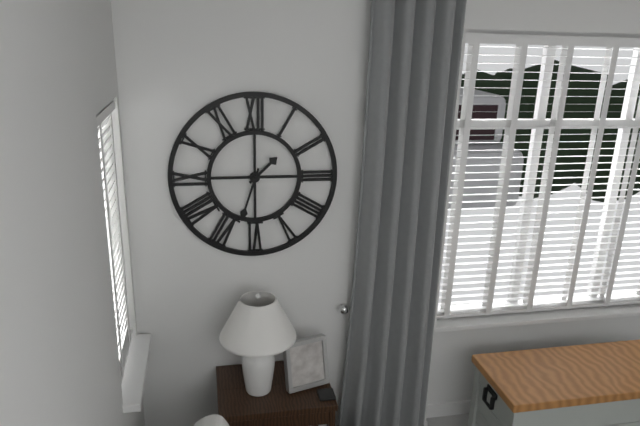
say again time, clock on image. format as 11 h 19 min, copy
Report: 1 h 33 min
